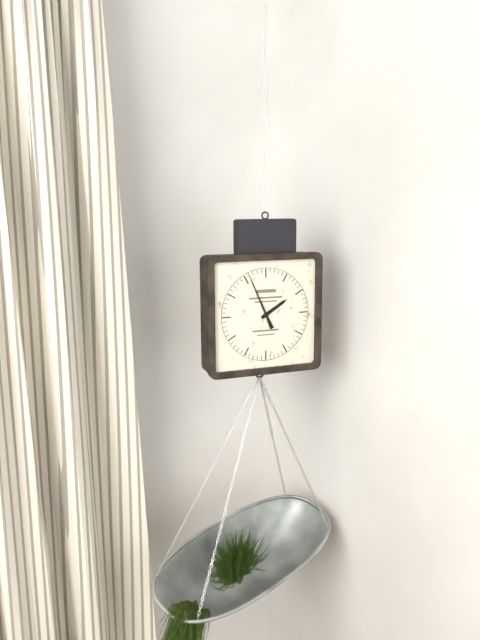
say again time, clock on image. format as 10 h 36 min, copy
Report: 1 h 56 min
